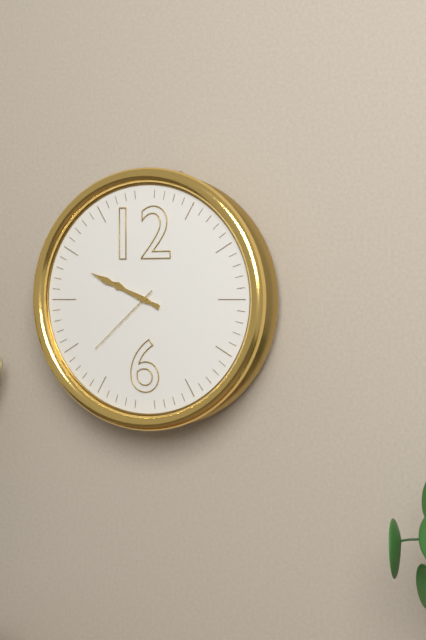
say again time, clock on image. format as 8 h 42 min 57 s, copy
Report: 9 h 49 min 38 s
